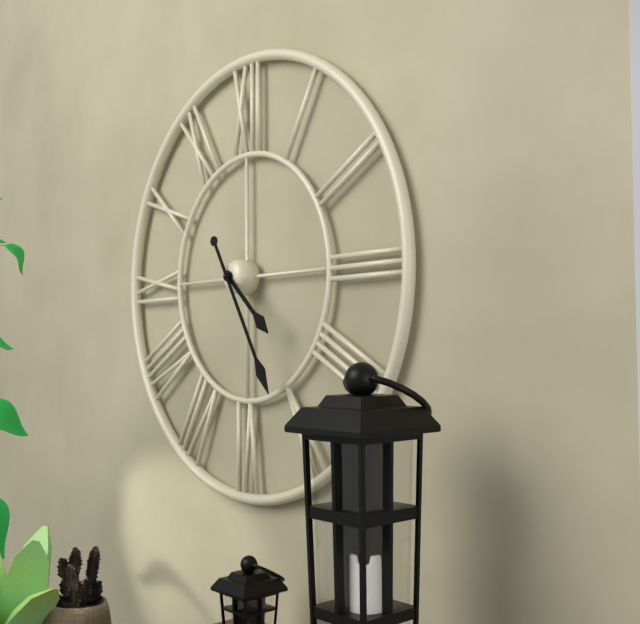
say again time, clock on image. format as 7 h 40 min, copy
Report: 4 h 25 min
